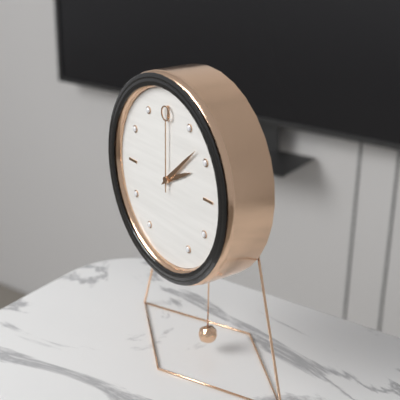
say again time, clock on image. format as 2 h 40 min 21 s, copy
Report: 2 h 08 min 00 s
